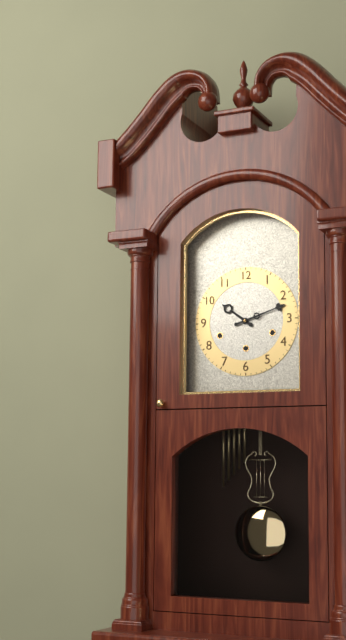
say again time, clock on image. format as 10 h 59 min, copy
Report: 10 h 12 min
